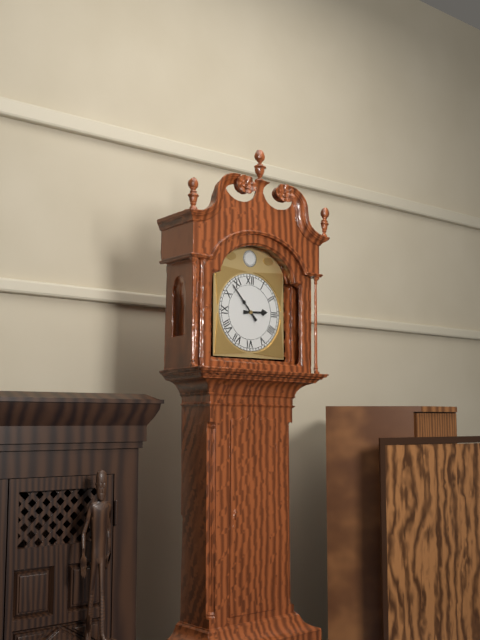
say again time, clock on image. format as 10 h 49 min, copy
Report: 2 h 53 min
